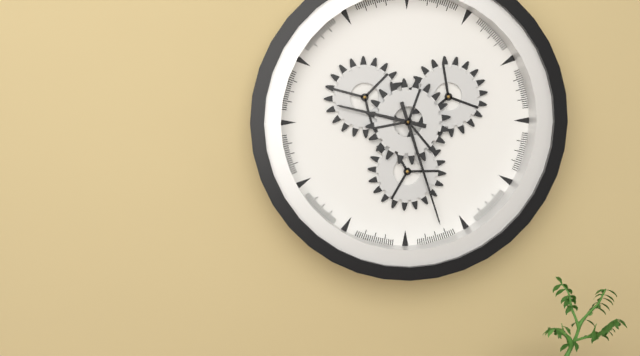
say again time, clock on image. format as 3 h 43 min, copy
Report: 9 h 27 min
